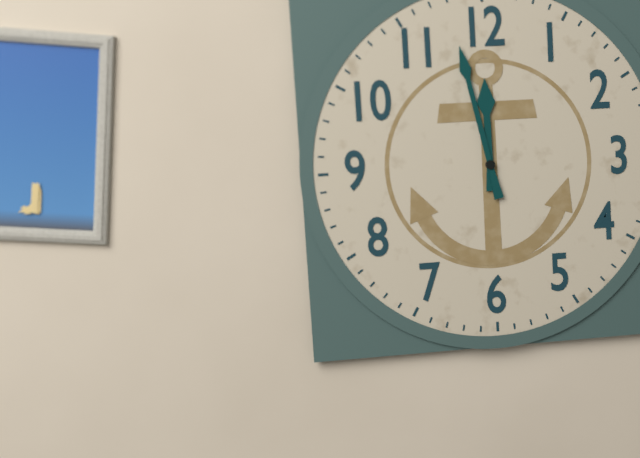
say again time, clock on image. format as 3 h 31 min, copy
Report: 11 h 58 min
